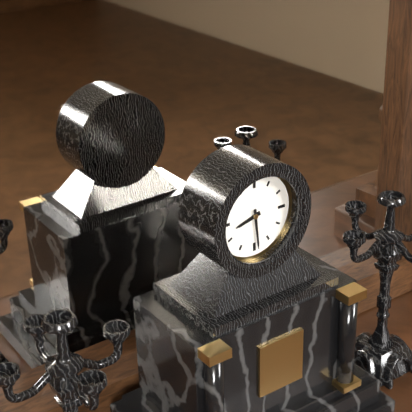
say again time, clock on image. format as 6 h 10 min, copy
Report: 8 h 29 min
